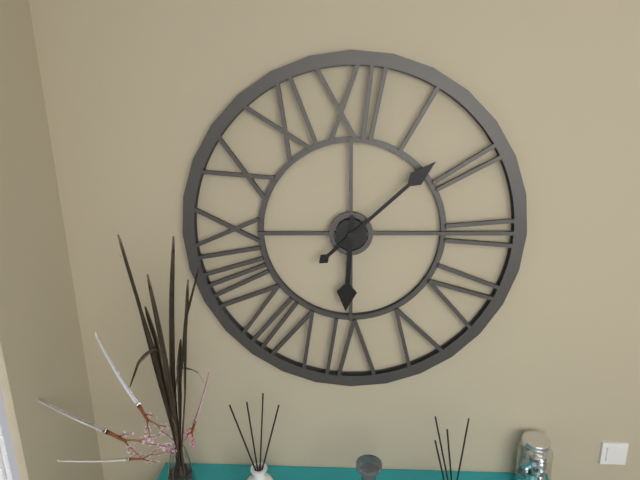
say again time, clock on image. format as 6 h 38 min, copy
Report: 6 h 08 min
